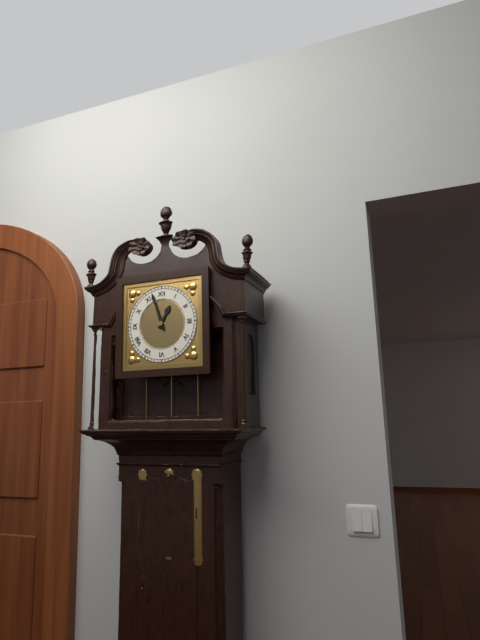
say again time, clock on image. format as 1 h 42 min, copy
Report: 12 h 57 min
